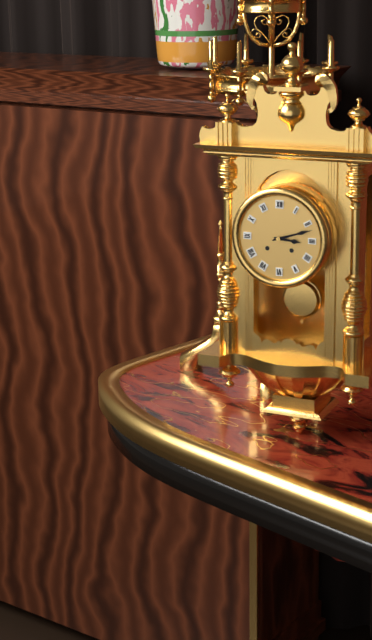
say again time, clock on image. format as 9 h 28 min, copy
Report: 3 h 12 min
